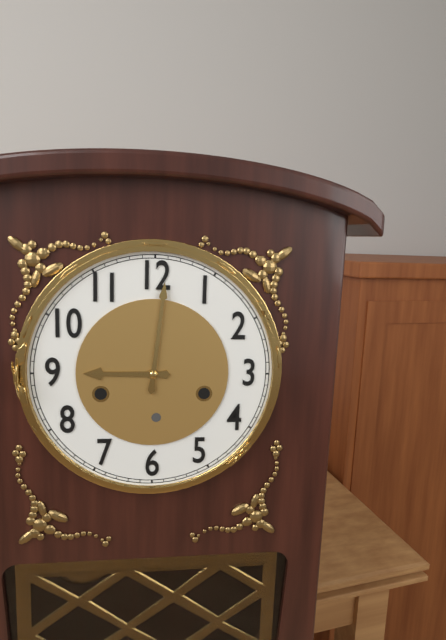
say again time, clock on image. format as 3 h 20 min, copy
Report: 9 h 01 min
